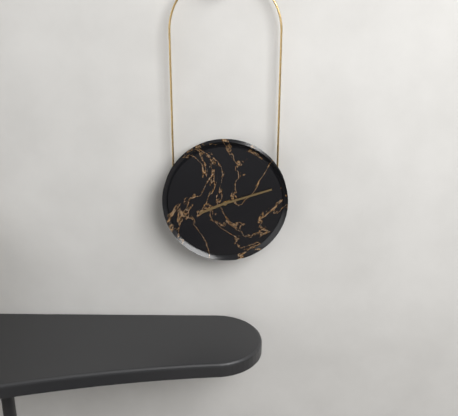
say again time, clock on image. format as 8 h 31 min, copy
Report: 8 h 12 min
